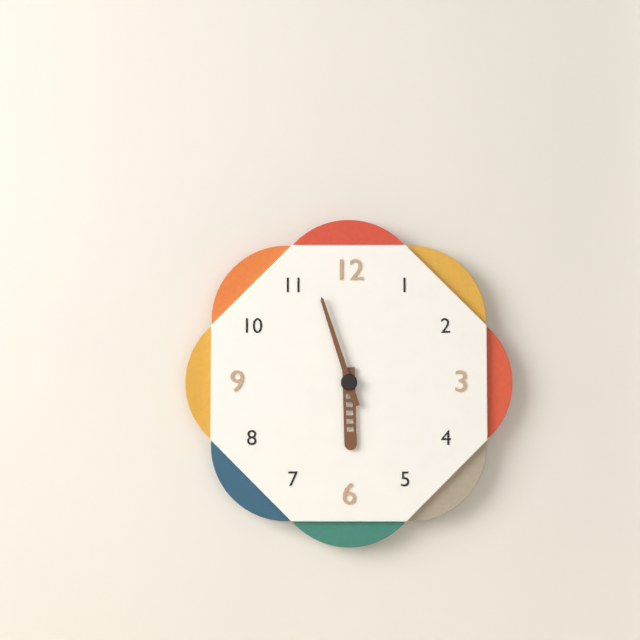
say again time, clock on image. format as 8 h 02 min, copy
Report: 5 h 57 min
